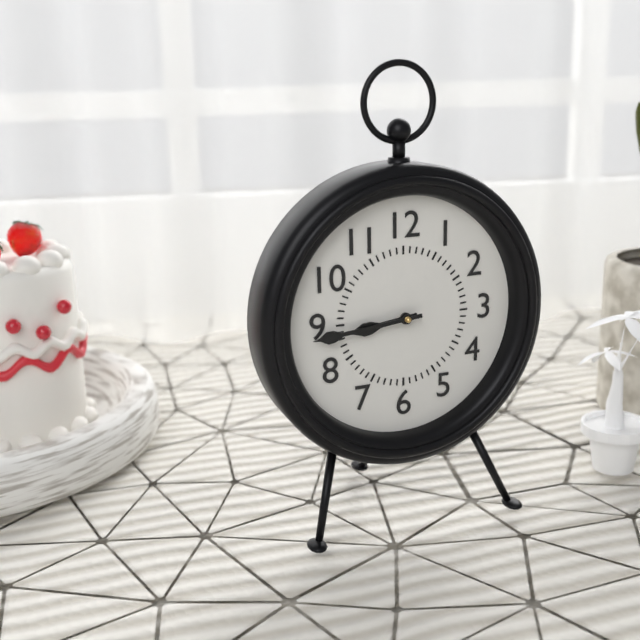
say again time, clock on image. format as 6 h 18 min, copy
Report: 8 h 44 min
